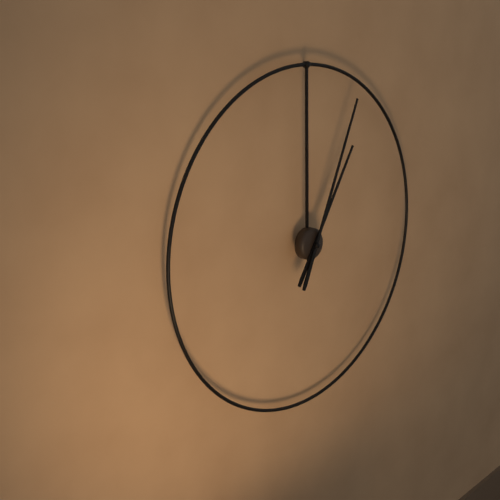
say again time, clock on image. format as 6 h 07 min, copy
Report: 1 h 04 min
